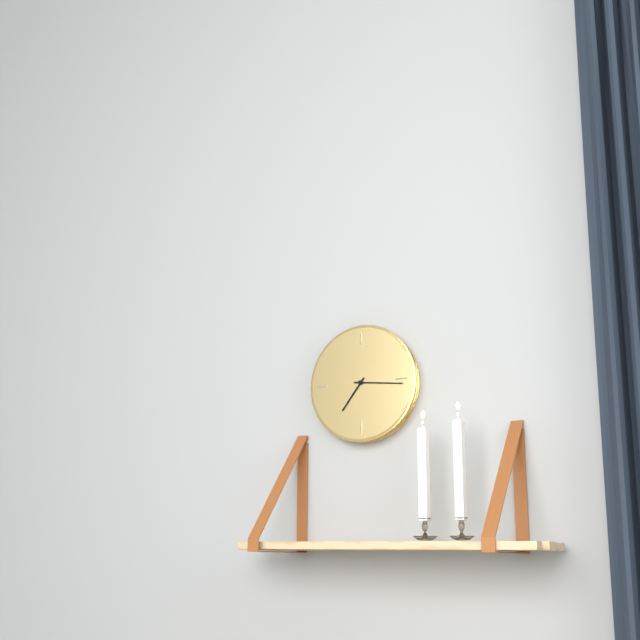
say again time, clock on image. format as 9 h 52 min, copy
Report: 7 h 16 min
